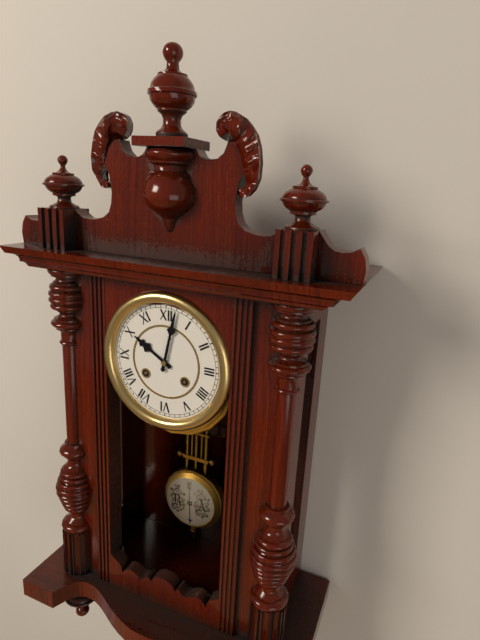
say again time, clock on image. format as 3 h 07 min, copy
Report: 10 h 02 min
